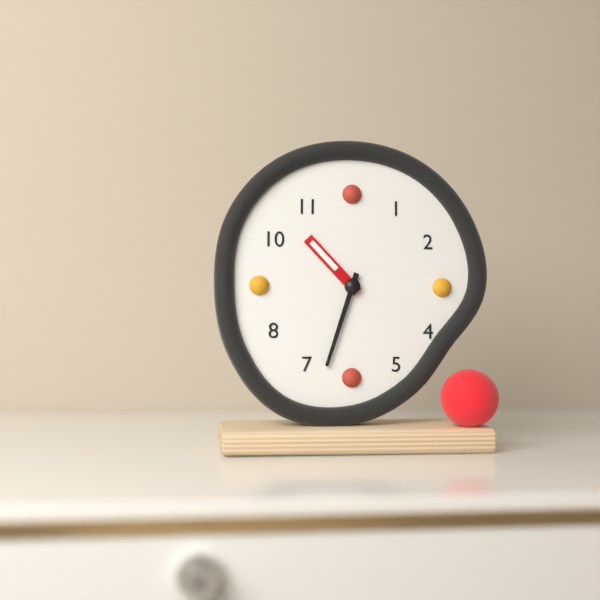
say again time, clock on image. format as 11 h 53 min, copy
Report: 10 h 33 min
